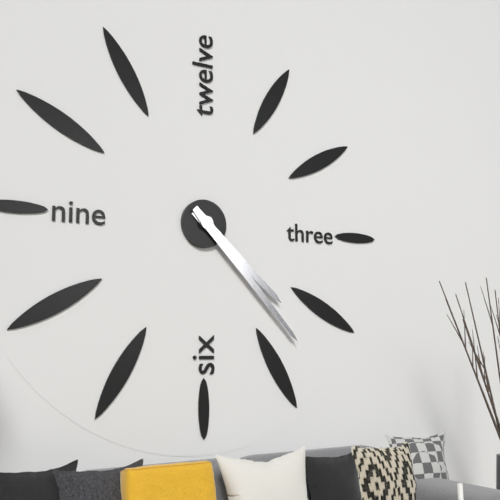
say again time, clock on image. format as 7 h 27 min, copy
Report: 4 h 23 min
